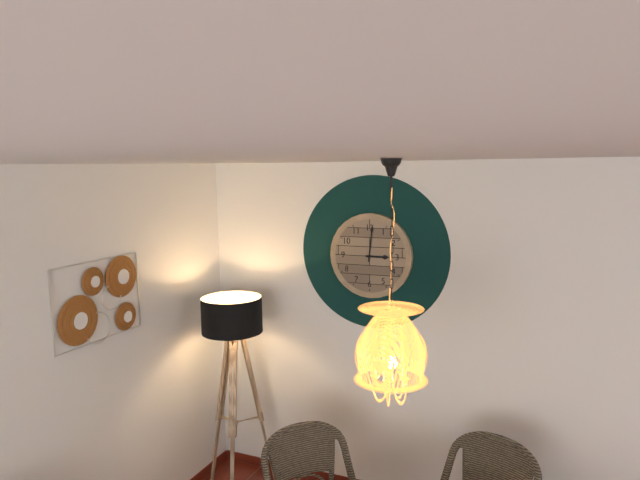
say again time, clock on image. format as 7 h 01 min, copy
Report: 3 h 01 min
